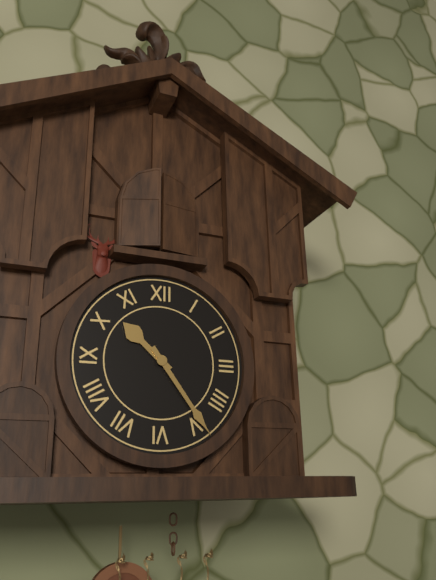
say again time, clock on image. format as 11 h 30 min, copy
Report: 10 h 24 min
